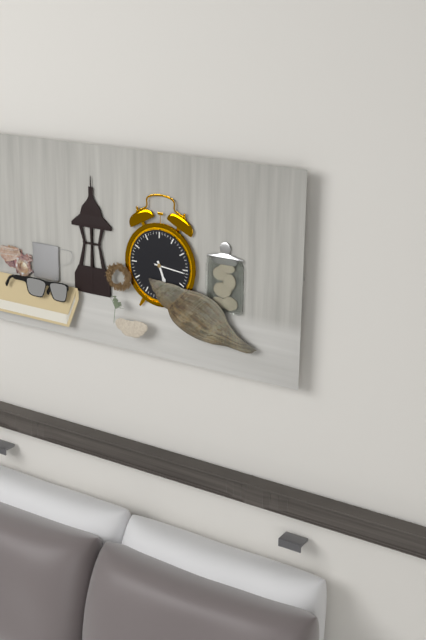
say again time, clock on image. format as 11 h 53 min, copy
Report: 5 h 16 min
